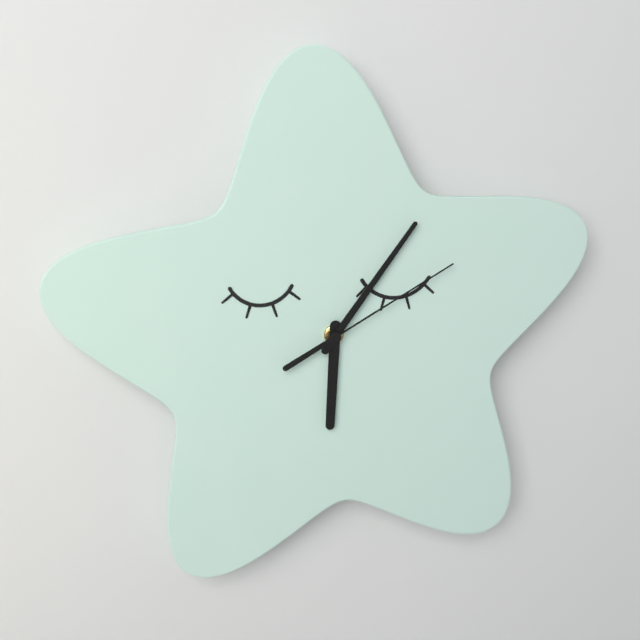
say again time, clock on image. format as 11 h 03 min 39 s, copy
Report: 6 h 06 min 10 s
